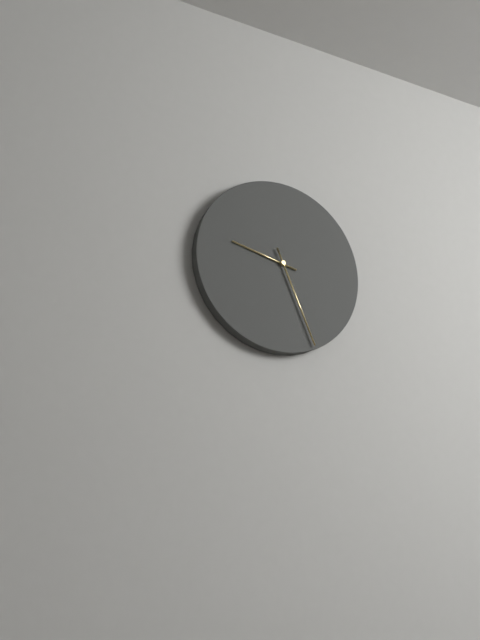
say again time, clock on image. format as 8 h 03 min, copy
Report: 9 h 26 min
